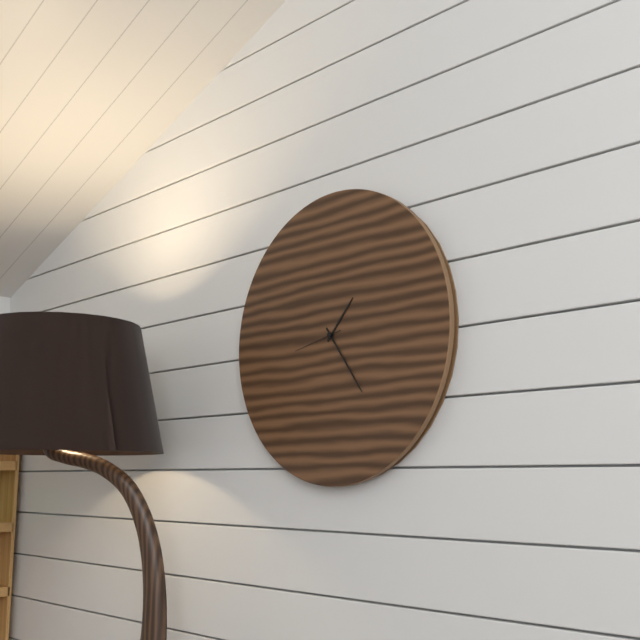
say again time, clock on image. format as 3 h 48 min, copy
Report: 1 h 24 min
